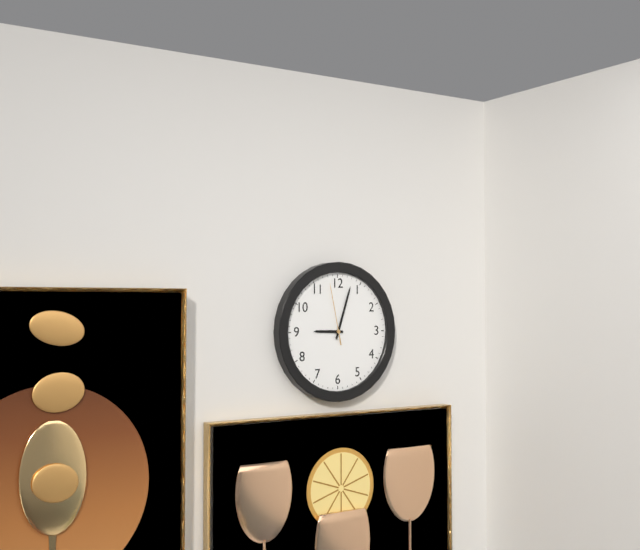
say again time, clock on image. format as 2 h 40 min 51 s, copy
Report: 9 h 03 min 58 s
